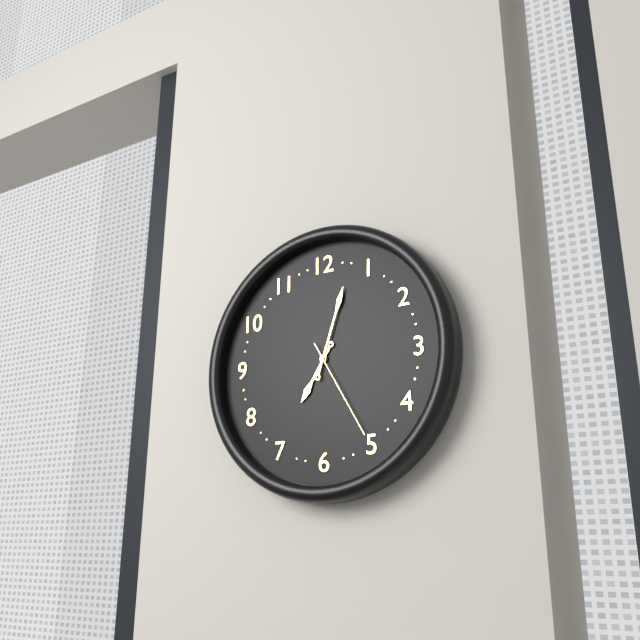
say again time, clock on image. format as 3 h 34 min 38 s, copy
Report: 7 h 03 min 25 s
